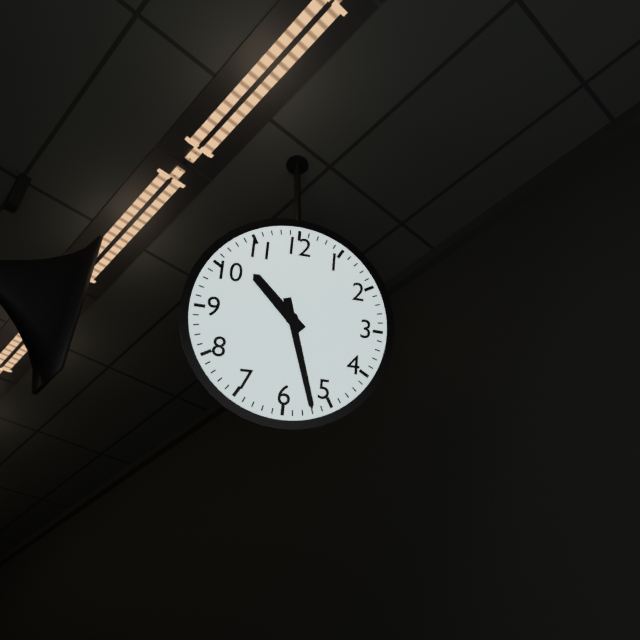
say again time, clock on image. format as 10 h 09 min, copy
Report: 10 h 27 min
